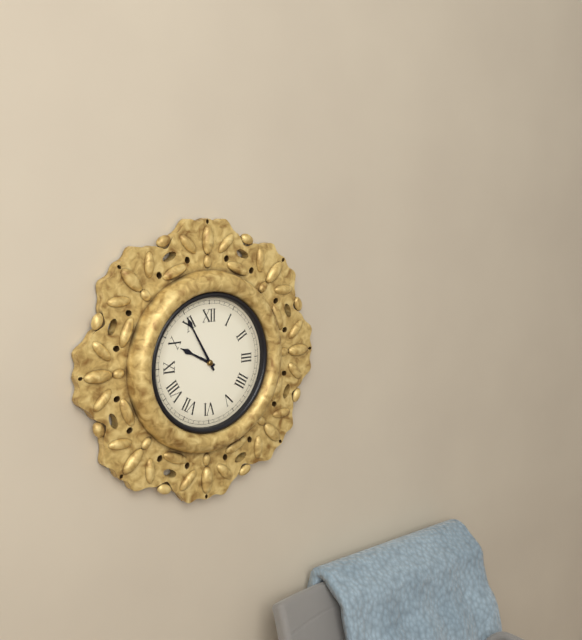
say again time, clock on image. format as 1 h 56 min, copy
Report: 9 h 55 min
